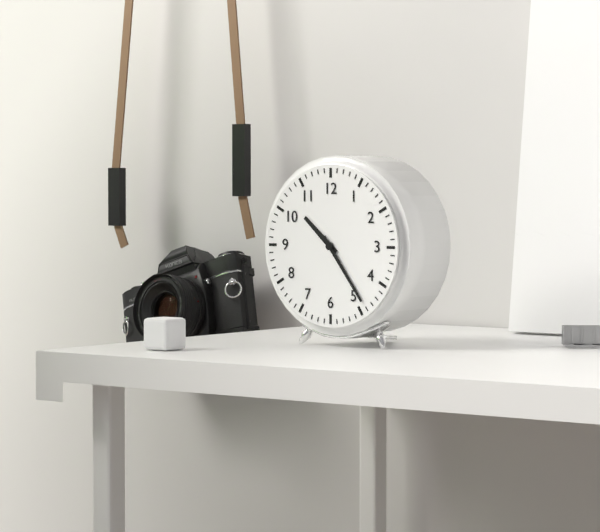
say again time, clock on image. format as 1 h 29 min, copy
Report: 10 h 24 min
